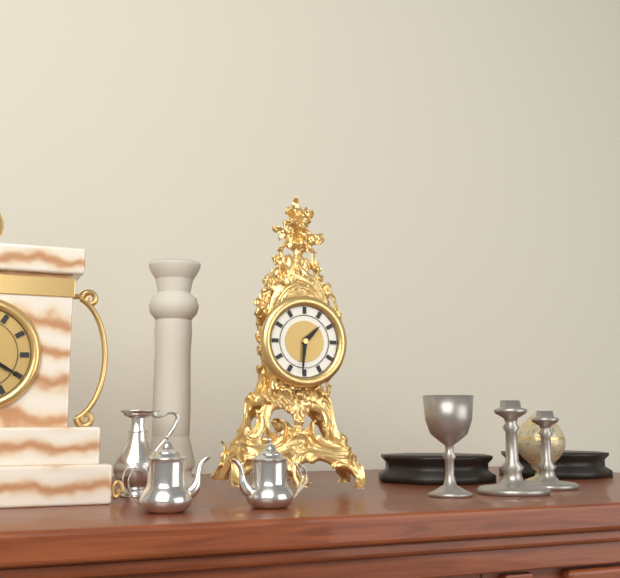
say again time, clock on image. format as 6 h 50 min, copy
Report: 1 h 31 min
